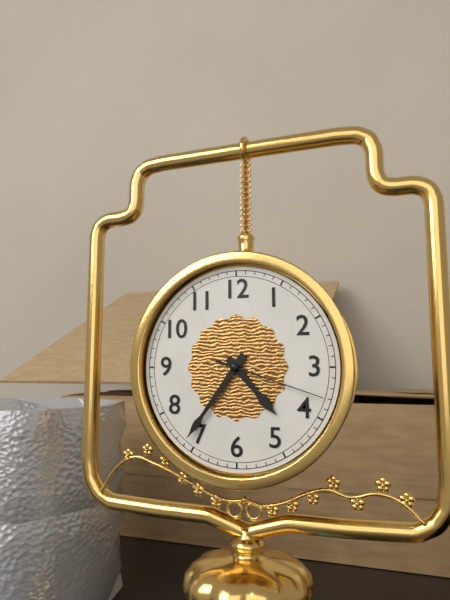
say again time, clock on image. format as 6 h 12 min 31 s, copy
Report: 4 h 36 min 18 s
